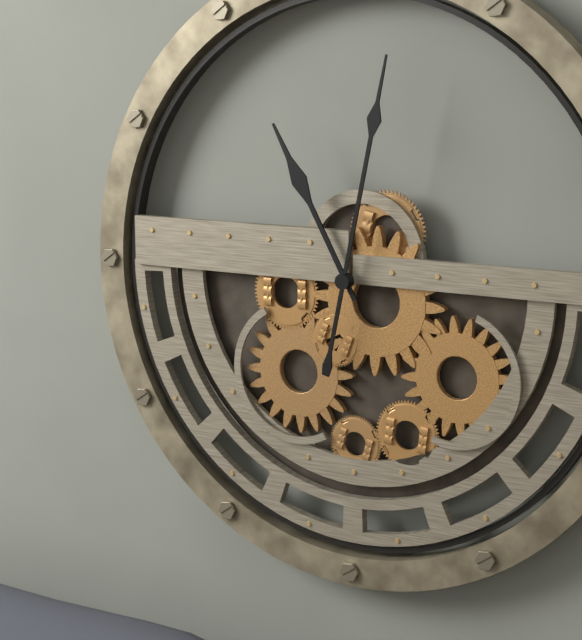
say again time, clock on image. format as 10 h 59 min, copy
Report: 11 h 02 min
